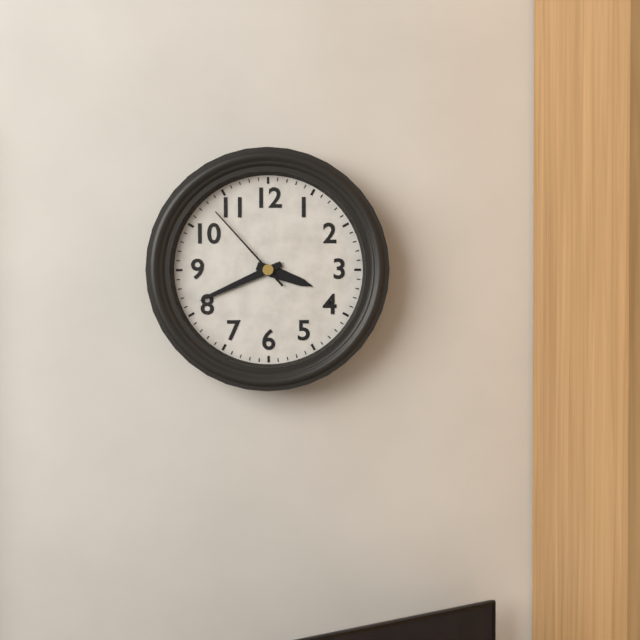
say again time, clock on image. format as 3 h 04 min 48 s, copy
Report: 3 h 41 min 53 s
